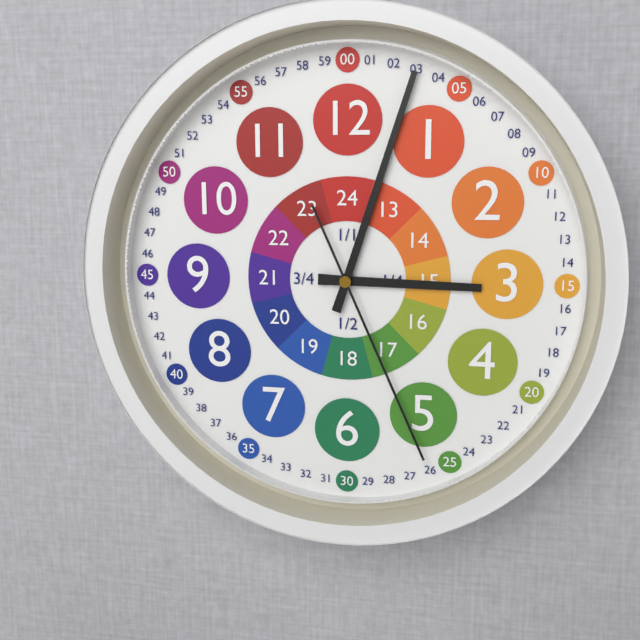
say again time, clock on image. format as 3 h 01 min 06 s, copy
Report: 3 h 03 min 26 s
